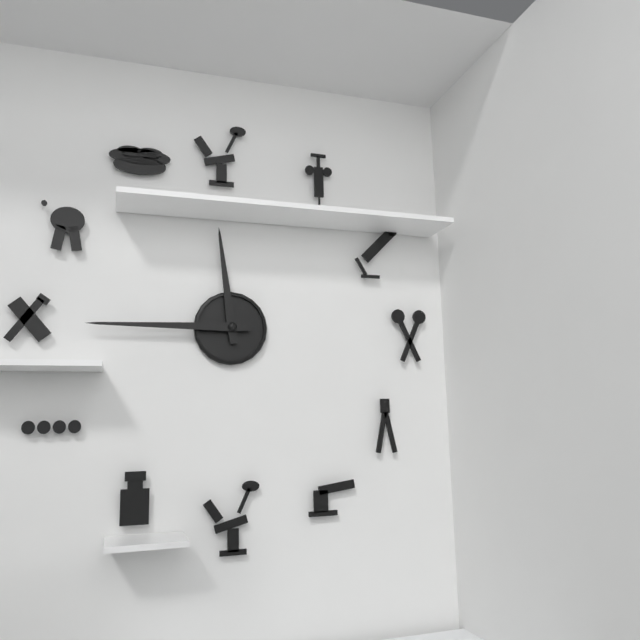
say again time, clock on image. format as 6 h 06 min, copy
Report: 11 h 45 min
